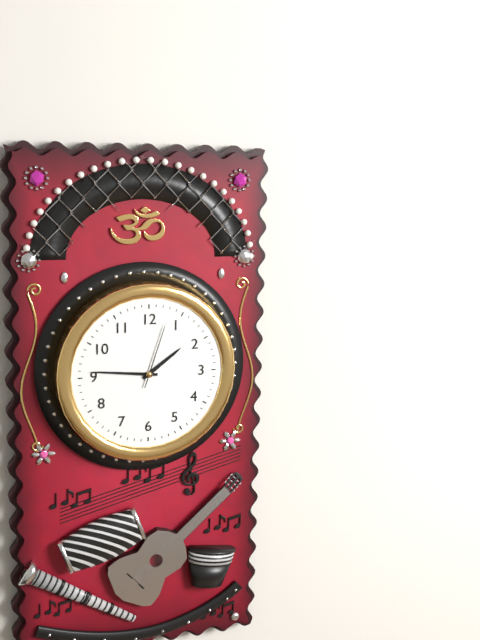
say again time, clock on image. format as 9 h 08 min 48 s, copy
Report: 1 h 46 min 03 s
